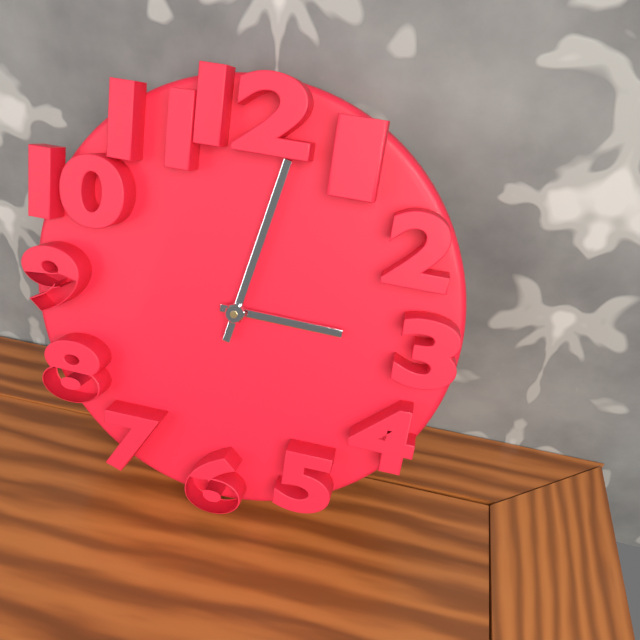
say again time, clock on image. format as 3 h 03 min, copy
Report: 3 h 02 min
